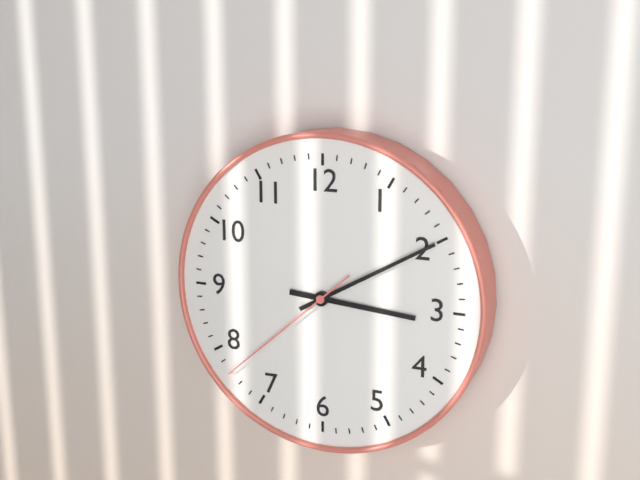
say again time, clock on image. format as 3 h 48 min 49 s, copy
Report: 3 h 10 min 38 s
